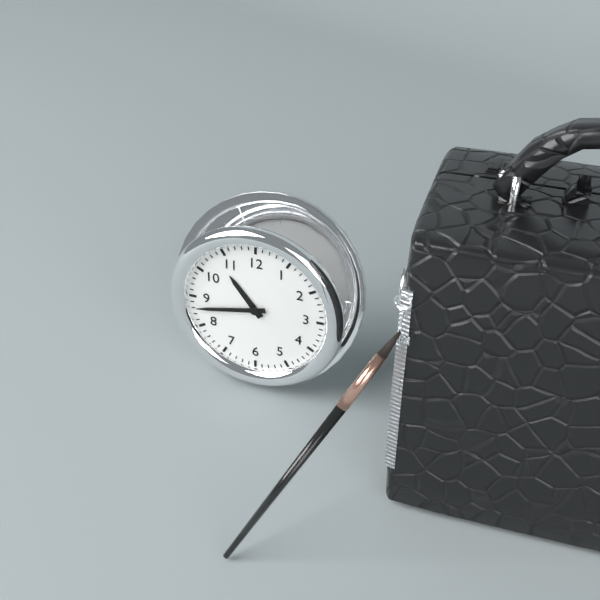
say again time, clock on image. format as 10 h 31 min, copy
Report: 10 h 43 min
